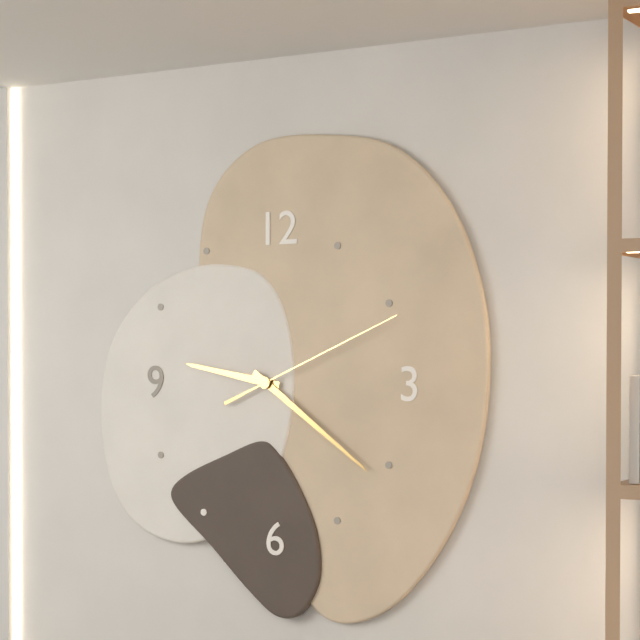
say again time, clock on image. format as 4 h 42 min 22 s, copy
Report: 9 h 21 min 11 s
